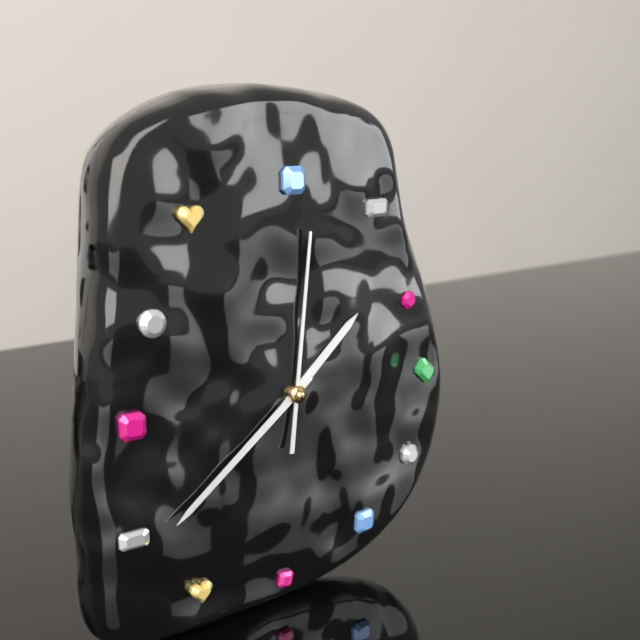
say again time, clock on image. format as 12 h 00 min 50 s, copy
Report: 1 h 39 min 01 s
